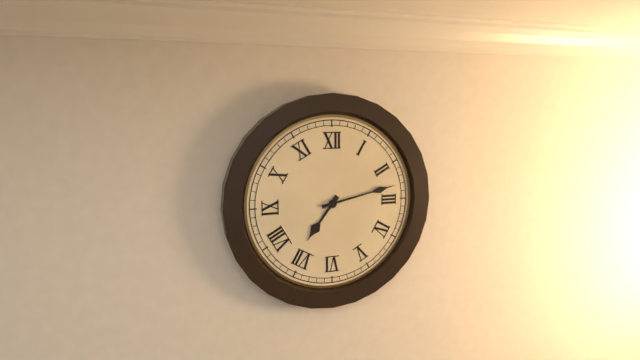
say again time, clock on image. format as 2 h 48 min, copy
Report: 7 h 13 min
